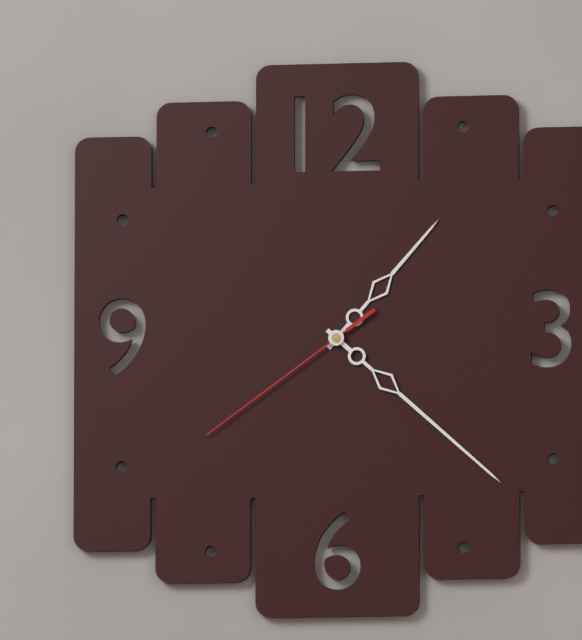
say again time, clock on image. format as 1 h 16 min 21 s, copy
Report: 1 h 22 min 39 s
